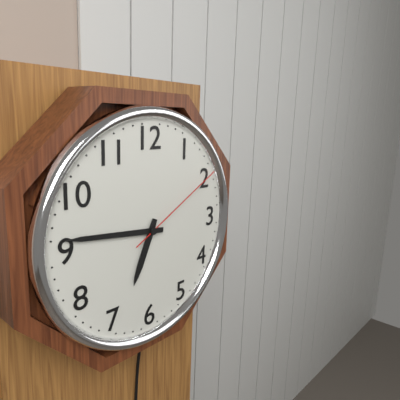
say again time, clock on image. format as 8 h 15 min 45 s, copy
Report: 6 h 46 min 10 s
